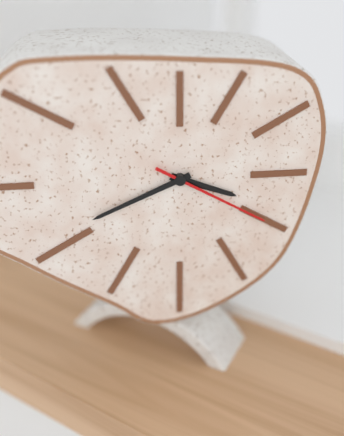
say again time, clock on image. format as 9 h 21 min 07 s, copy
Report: 3 h 41 min 20 s
